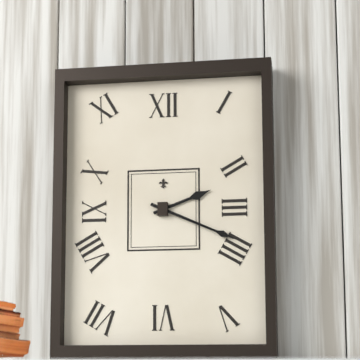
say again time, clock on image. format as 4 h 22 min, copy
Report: 2 h 19 min
